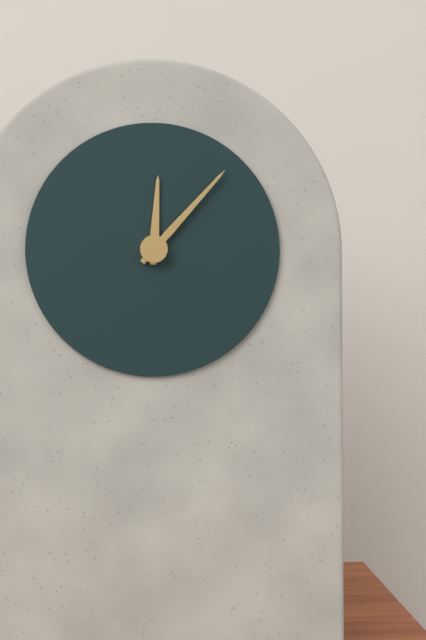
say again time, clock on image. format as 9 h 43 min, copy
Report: 12 h 07 min
